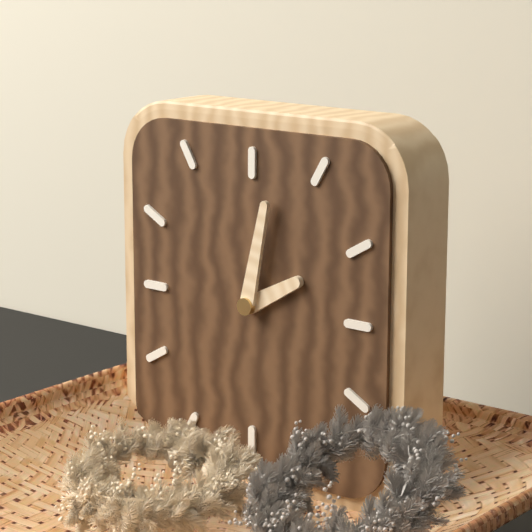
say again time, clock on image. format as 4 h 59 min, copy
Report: 2 h 02 min
